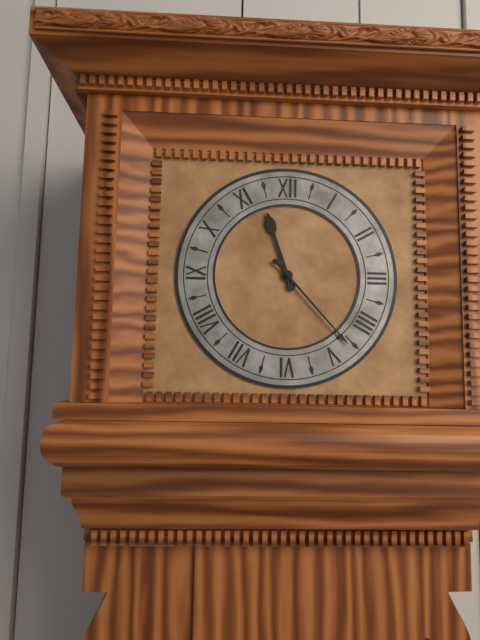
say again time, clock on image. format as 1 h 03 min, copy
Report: 11 h 23 min
